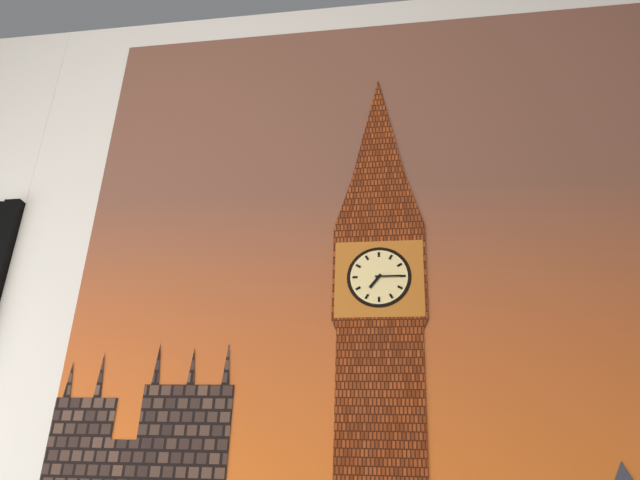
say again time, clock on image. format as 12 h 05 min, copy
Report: 7 h 15 min
